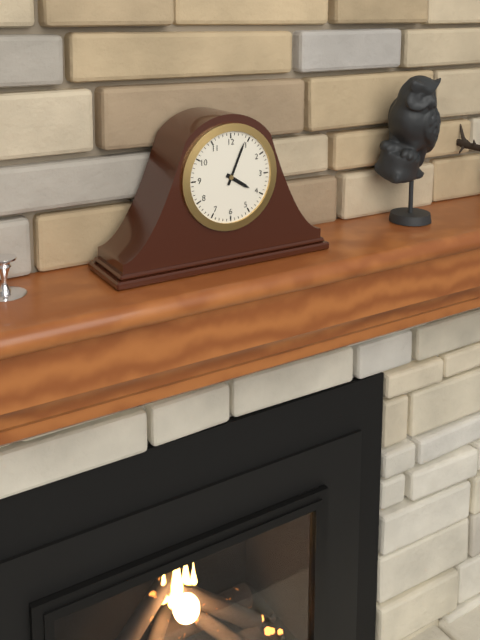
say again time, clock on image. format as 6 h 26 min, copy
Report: 4 h 04 min
